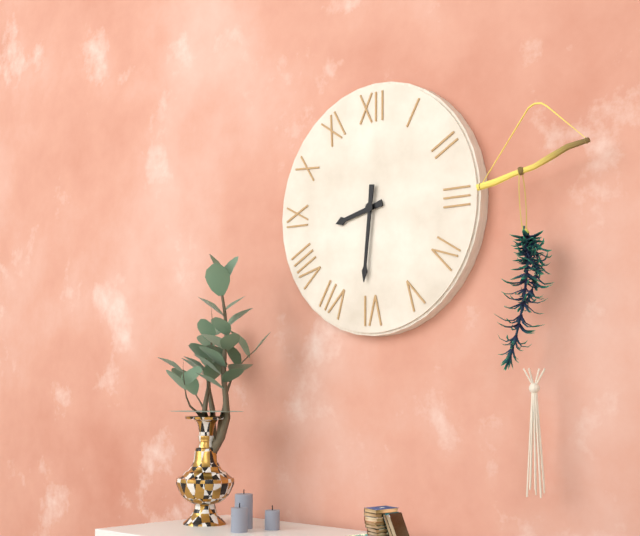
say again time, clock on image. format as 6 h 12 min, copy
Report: 8 h 31 min
